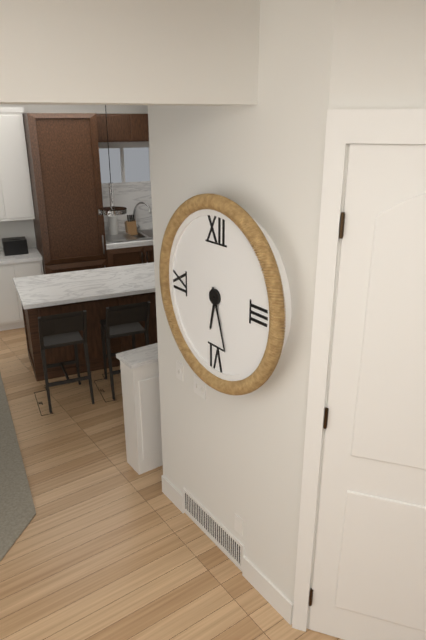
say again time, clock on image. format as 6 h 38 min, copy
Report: 6 h 27 min
